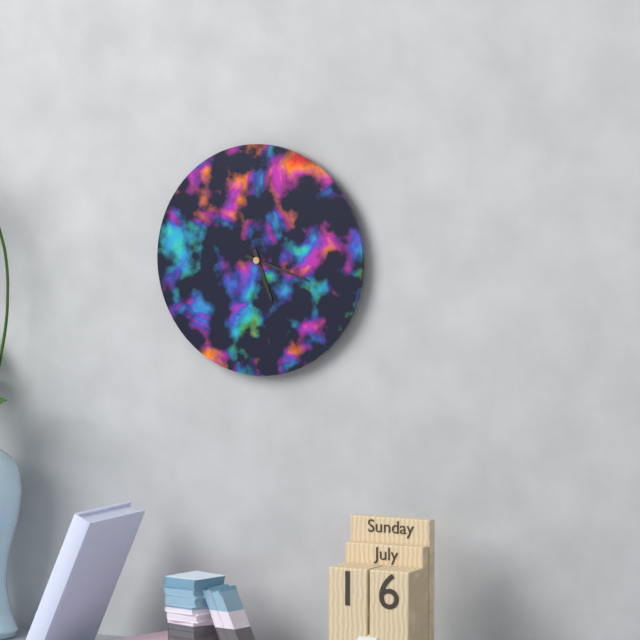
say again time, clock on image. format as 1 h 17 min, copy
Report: 5 h 18 min
